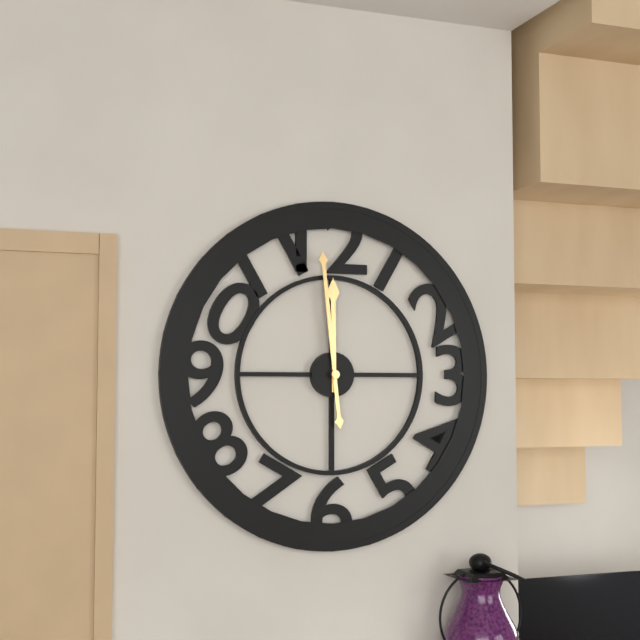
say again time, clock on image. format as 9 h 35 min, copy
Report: 11 h 59 min
